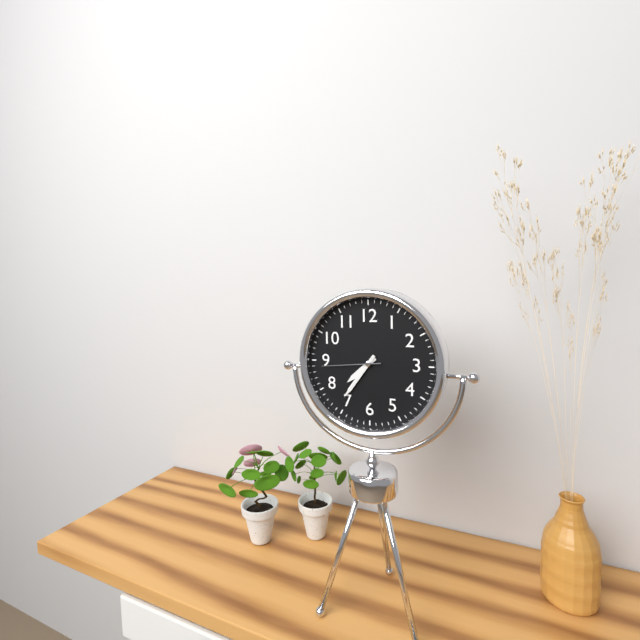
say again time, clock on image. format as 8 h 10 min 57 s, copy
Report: 7 h 36 min 44 s
